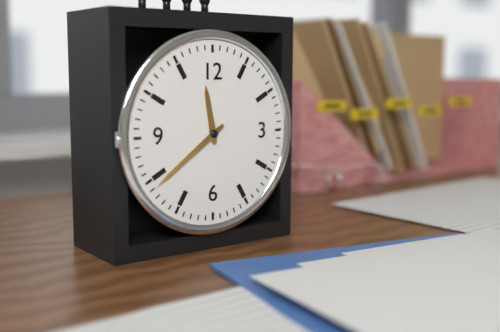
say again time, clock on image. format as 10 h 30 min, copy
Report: 11 h 39 min
